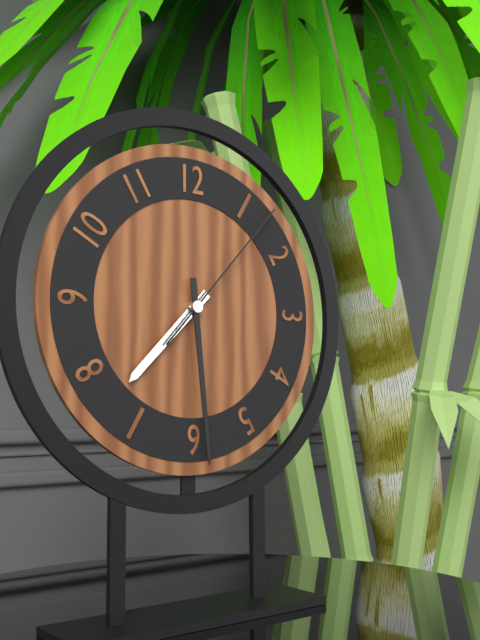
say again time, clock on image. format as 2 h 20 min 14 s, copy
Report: 7 h 29 min 07 s
